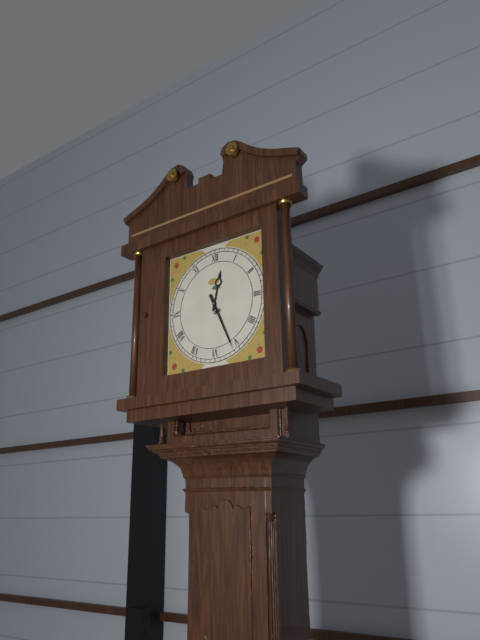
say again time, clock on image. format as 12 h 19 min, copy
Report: 12 h 26 min
